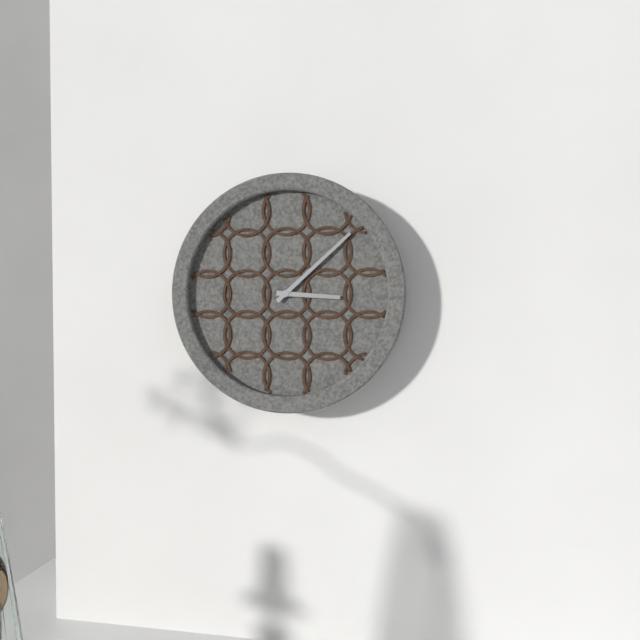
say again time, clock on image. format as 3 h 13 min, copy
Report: 3 h 08 min
